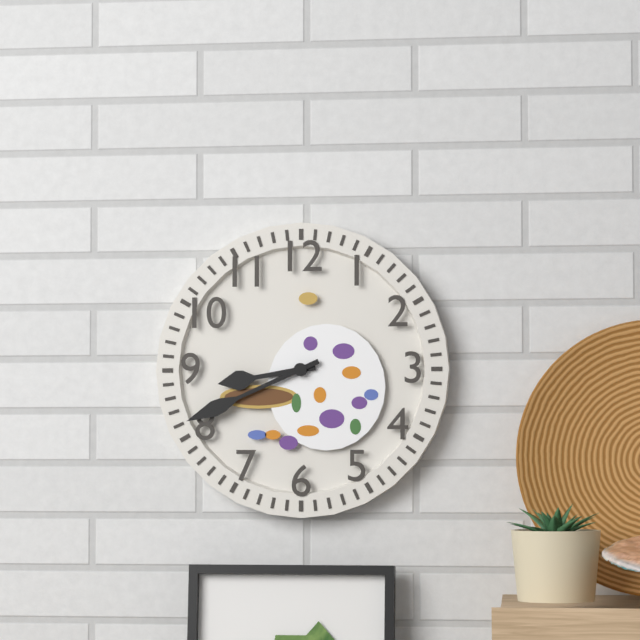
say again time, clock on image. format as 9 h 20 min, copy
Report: 8 h 41 min
